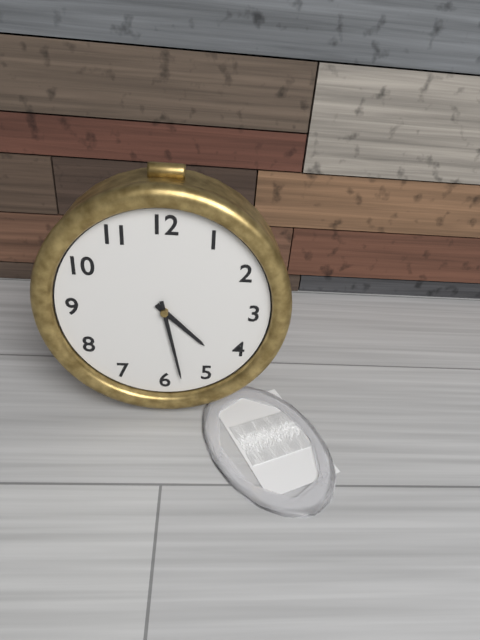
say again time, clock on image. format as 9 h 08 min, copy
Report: 4 h 28 min
